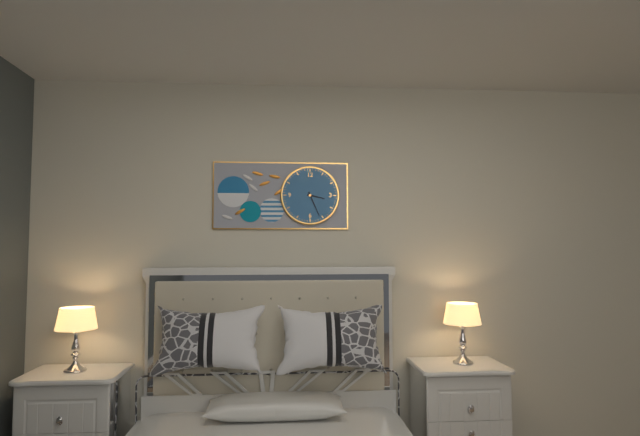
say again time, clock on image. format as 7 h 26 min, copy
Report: 3 h 26 min
